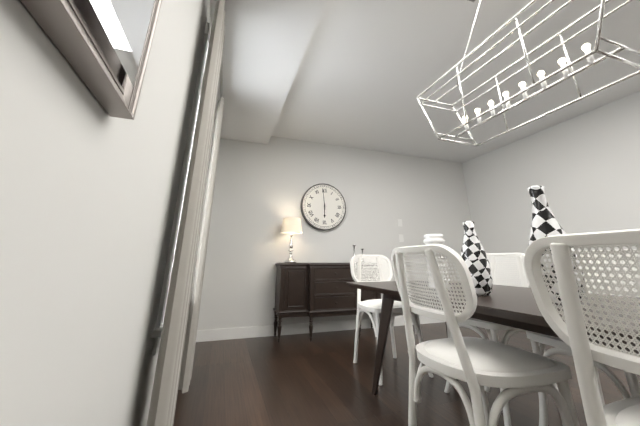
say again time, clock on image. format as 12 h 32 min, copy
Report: 5 h 59 min
